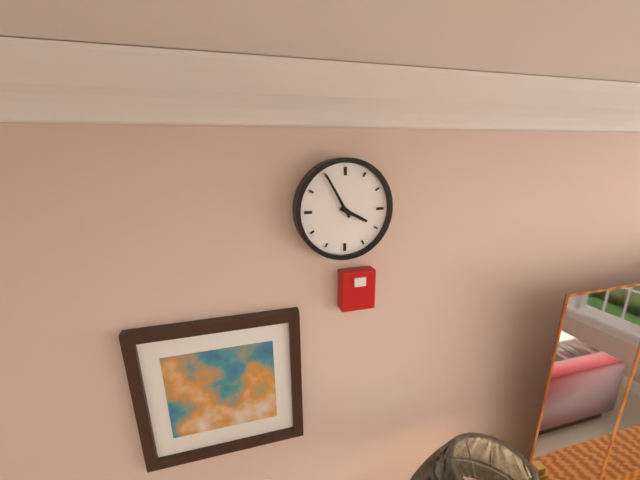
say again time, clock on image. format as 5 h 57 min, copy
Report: 3 h 55 min
